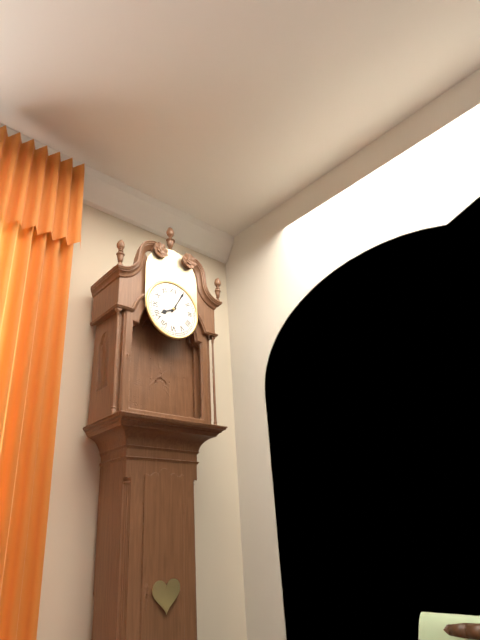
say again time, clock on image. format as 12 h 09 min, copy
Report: 8 h 05 min
